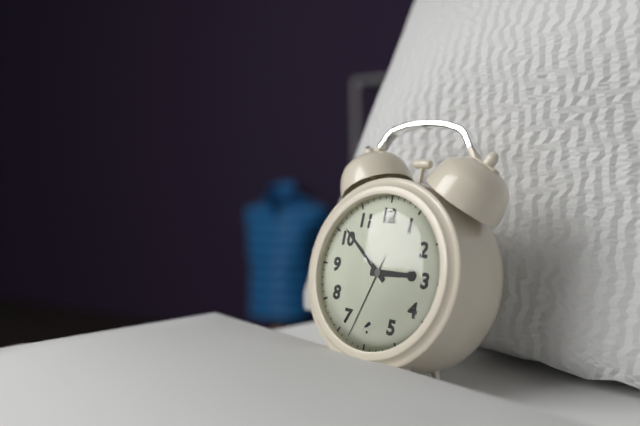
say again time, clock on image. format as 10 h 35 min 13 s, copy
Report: 2 h 51 min 33 s
